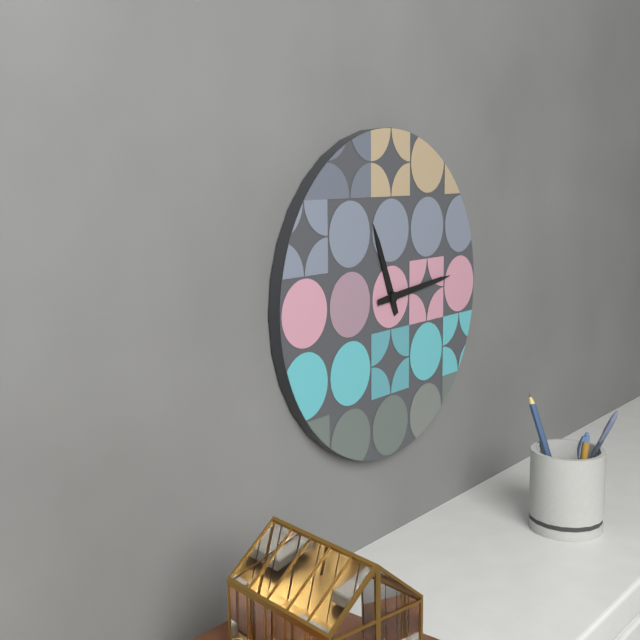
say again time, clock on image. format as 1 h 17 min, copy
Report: 11 h 14 min
